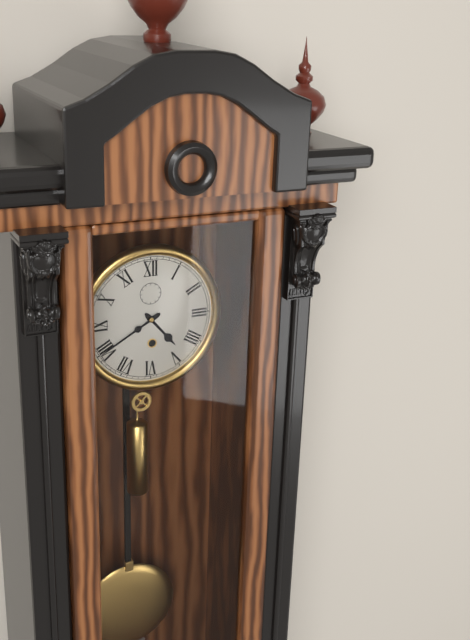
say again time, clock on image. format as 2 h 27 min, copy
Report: 4 h 40 min
